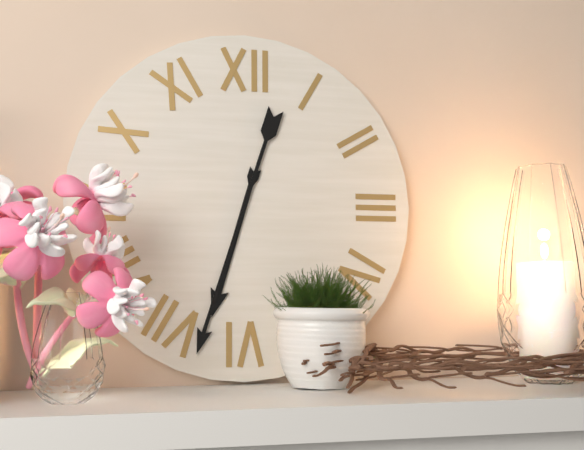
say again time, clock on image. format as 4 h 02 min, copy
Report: 6 h 33 min
